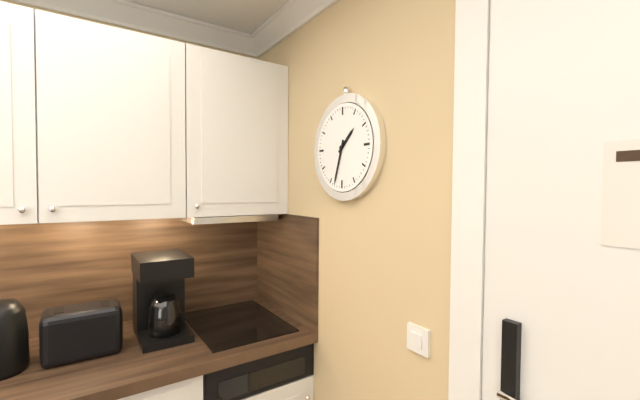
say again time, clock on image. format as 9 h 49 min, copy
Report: 1 h 33 min
